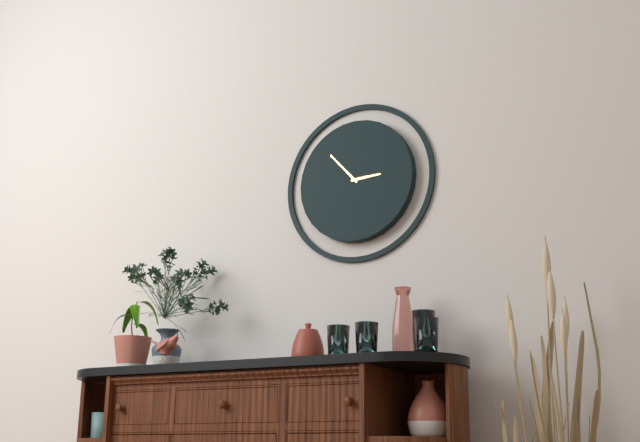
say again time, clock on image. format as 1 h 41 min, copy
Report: 2 h 53 min
